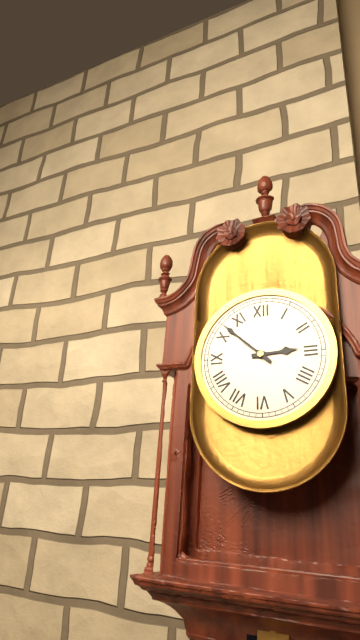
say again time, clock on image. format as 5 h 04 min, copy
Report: 2 h 52 min
